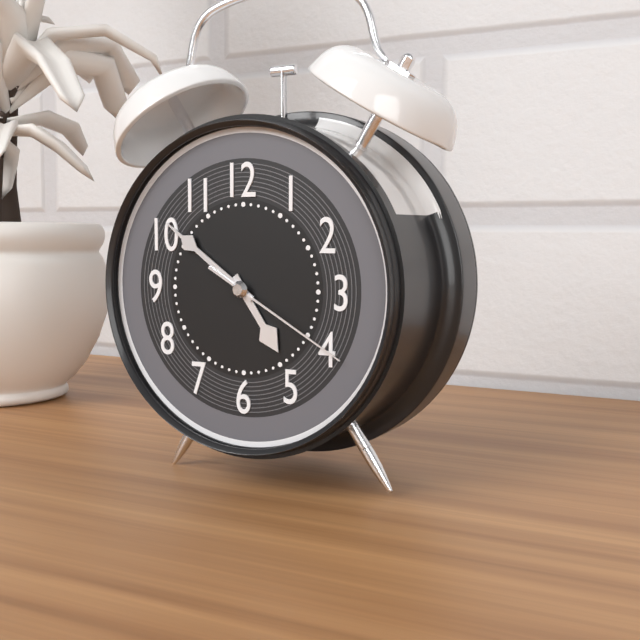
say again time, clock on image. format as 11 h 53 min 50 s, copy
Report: 4 h 51 min 20 s
